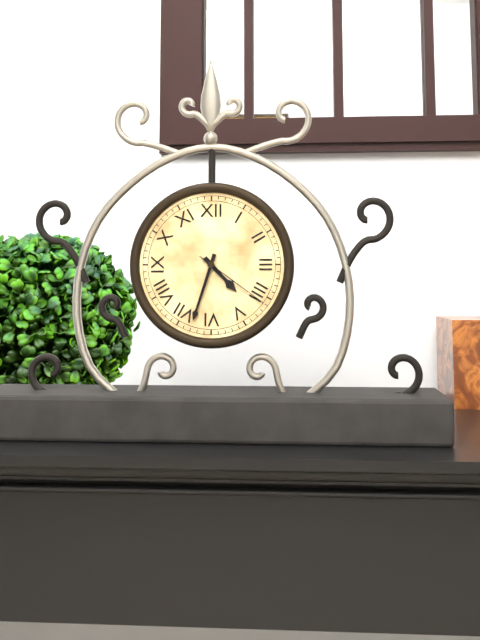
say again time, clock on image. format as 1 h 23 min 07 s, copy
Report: 4 h 33 min 21 s
